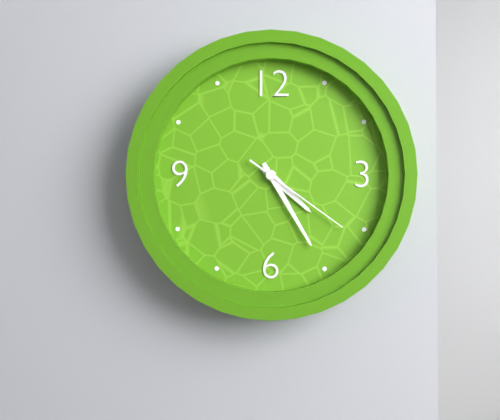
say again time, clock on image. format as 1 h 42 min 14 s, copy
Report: 4 h 25 min 21 s
